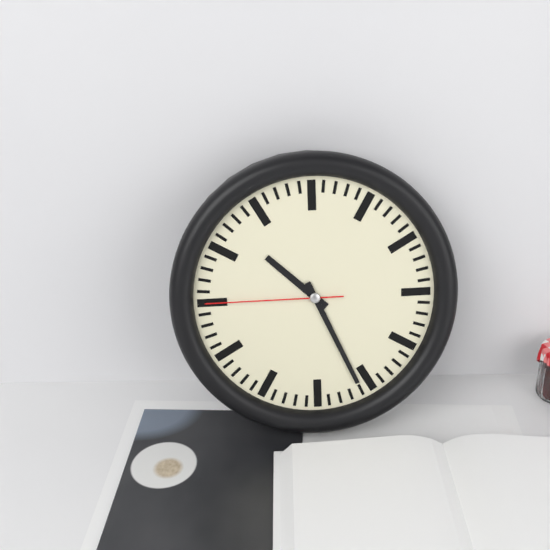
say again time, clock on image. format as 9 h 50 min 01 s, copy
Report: 10 h 26 min 45 s
